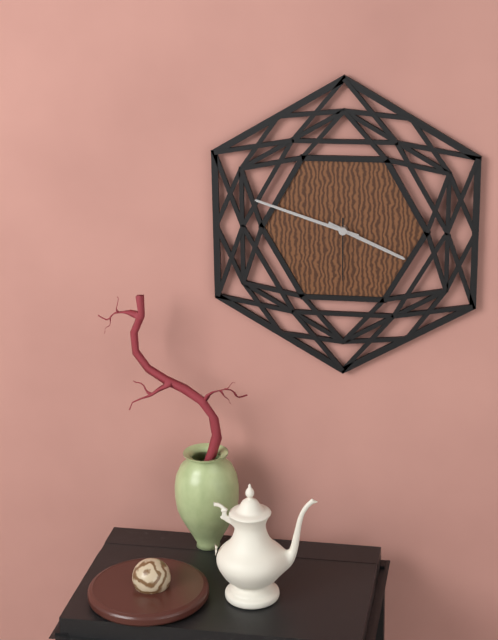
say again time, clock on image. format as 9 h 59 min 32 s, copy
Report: 3 h 48 min 30 s
